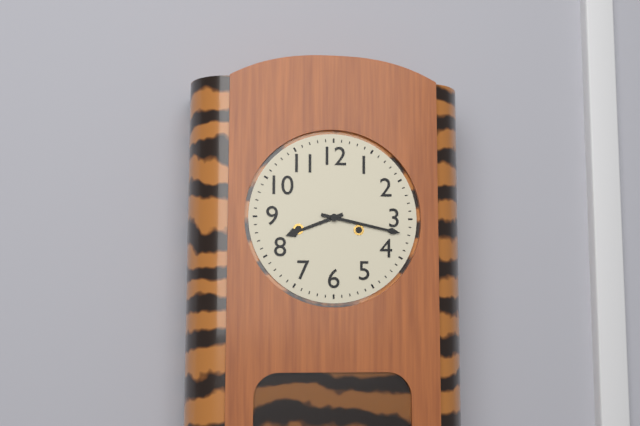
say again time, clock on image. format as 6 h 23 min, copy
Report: 8 h 17 min
